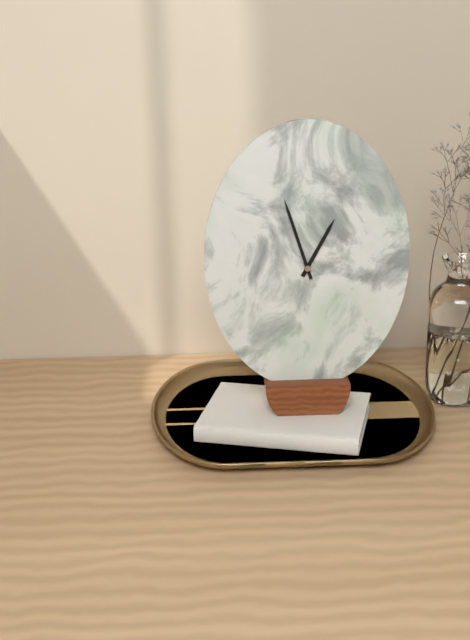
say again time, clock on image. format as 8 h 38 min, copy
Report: 12 h 57 min
